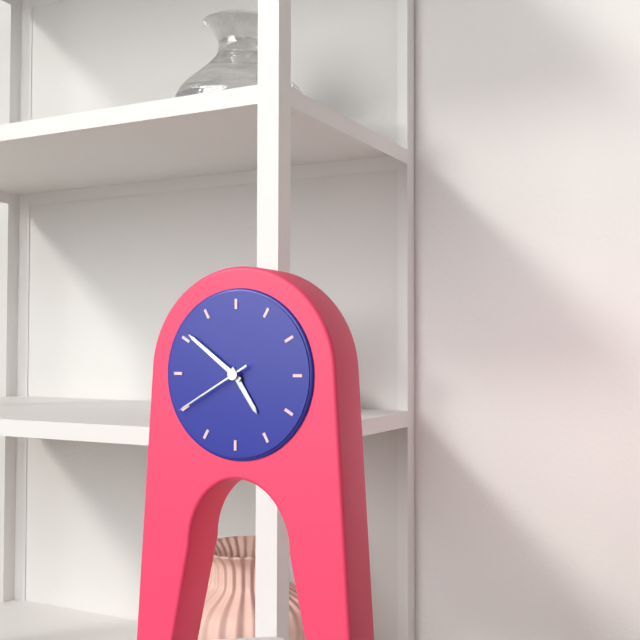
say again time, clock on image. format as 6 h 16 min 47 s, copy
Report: 4 h 51 min 40 s
